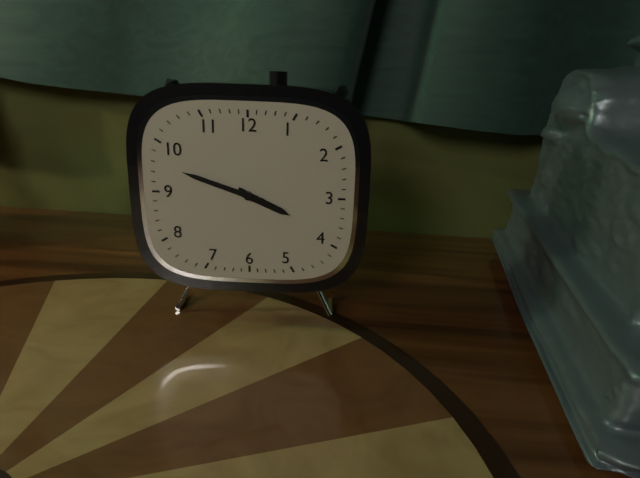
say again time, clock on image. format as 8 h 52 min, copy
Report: 3 h 48 min
